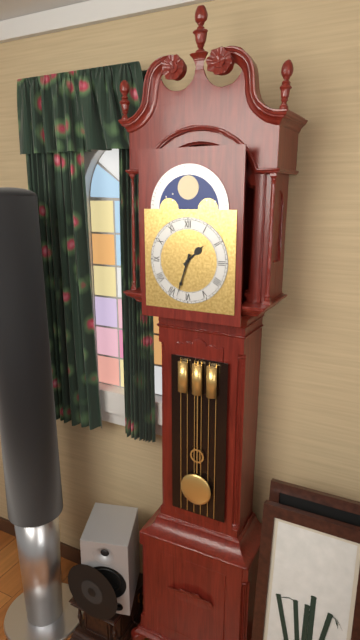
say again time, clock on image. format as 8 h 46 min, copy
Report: 1 h 33 min
